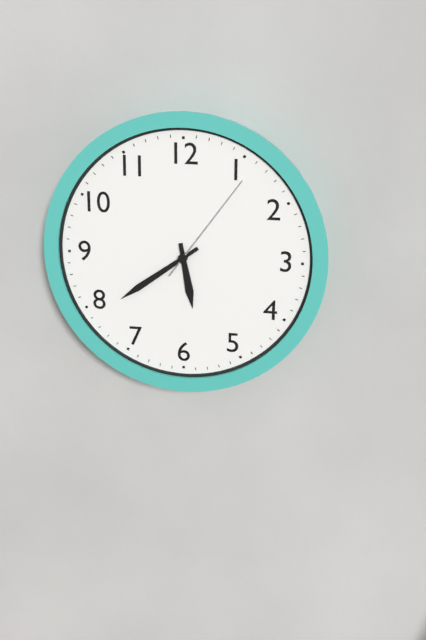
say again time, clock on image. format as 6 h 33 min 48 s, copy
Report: 5 h 39 min 06 s
